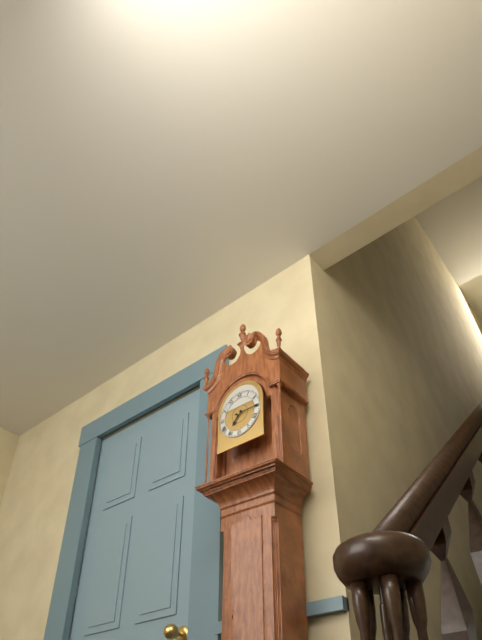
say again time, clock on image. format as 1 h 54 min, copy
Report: 7 h 15 min
